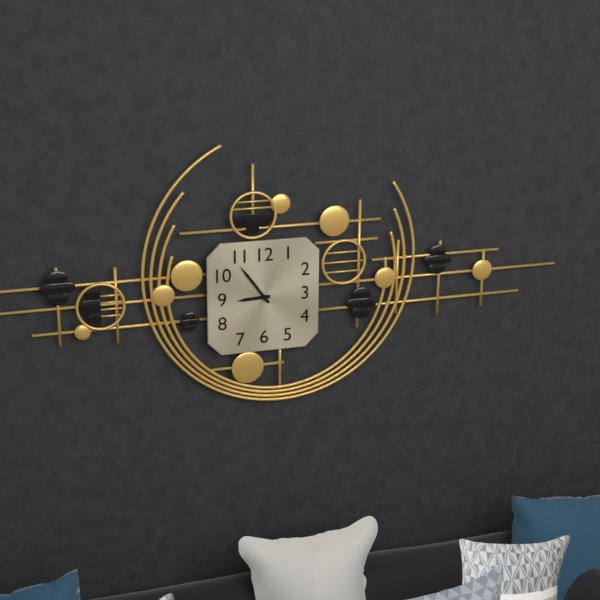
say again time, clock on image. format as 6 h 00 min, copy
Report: 8 h 54 min
